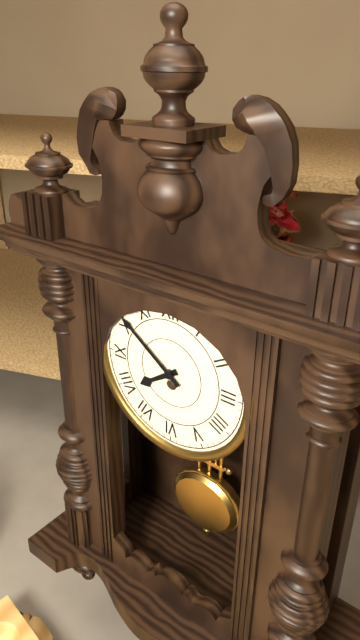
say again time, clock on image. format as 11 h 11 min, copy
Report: 7 h 51 min
